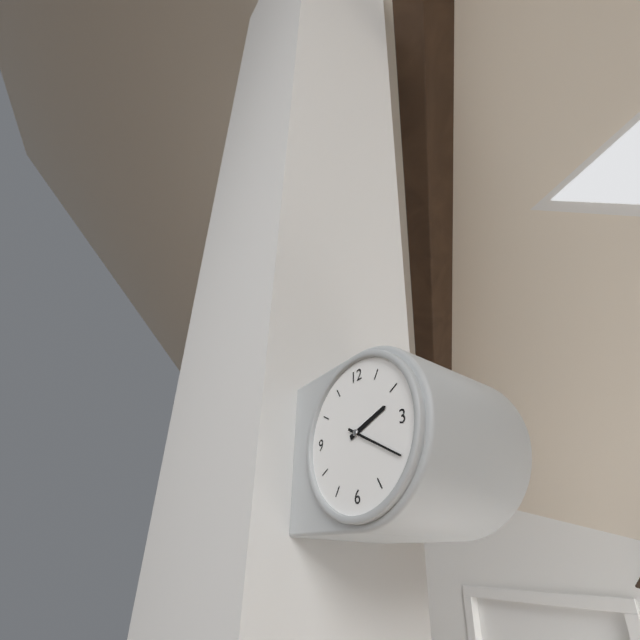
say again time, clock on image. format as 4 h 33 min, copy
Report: 2 h 20 min
